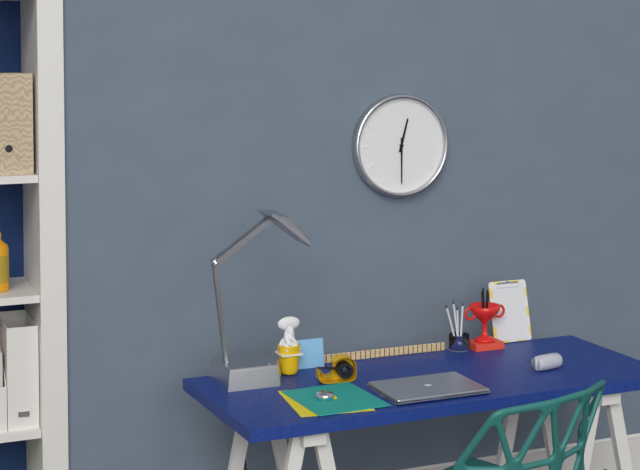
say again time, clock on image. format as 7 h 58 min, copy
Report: 12 h 30 min
